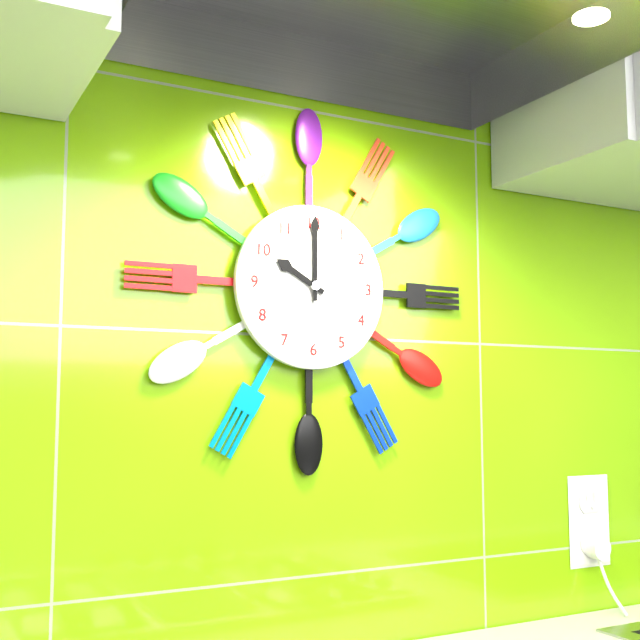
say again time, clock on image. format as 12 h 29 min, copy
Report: 10 h 00 min
